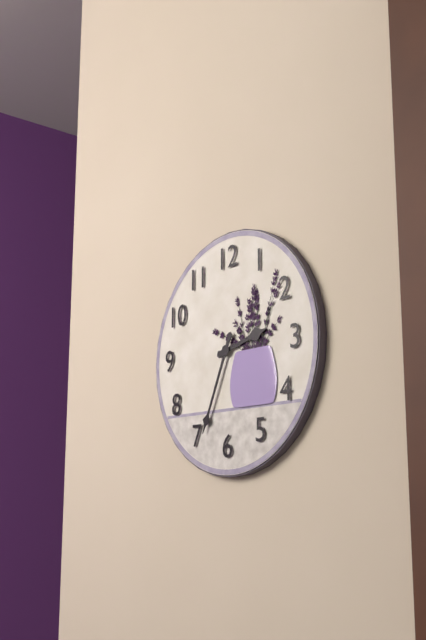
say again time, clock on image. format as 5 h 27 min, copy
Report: 2 h 34 min
